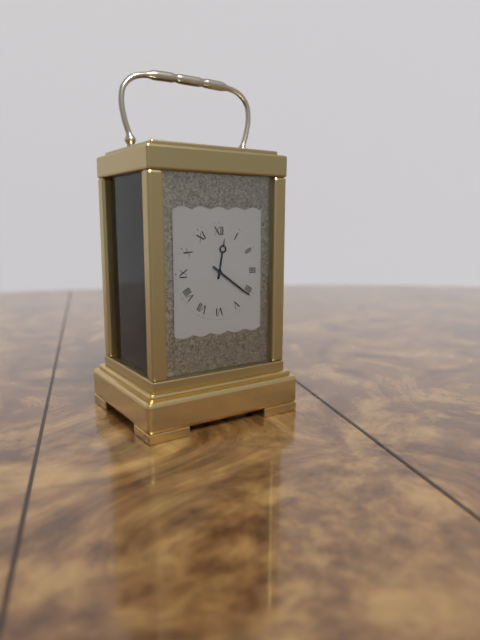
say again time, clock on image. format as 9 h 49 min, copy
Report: 12 h 21 min
